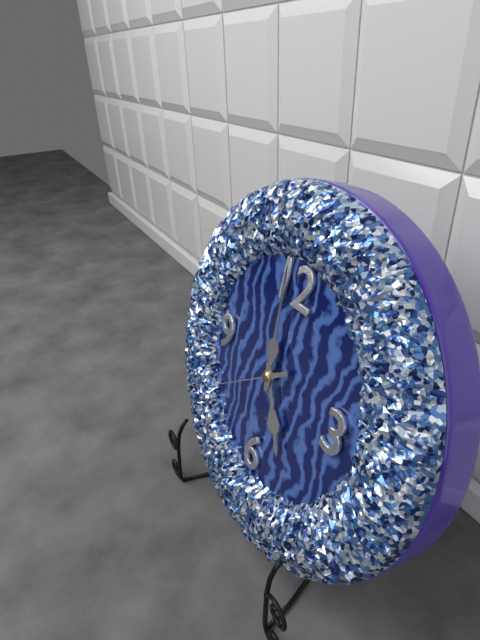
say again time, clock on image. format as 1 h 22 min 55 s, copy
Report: 4 h 59 min 39 s
